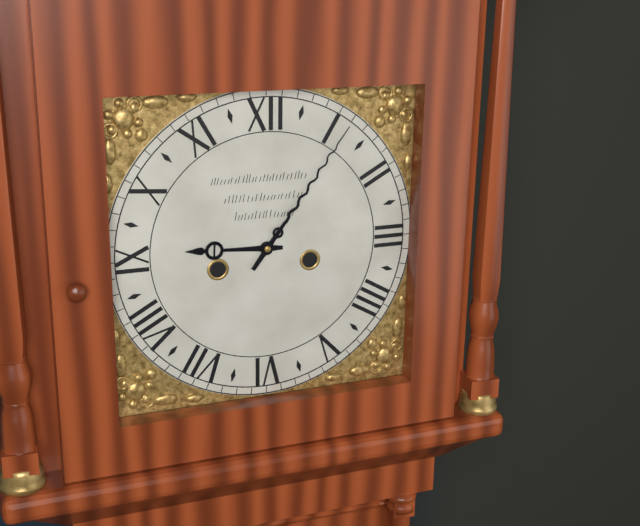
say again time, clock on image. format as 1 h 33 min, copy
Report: 9 h 06 min
